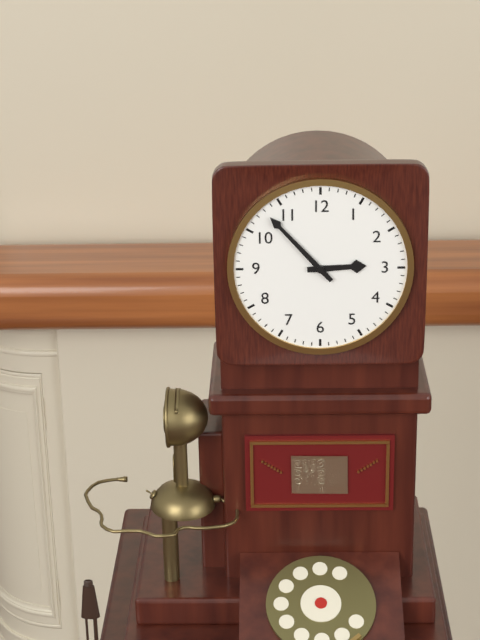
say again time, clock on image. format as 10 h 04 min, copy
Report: 2 h 53 min
